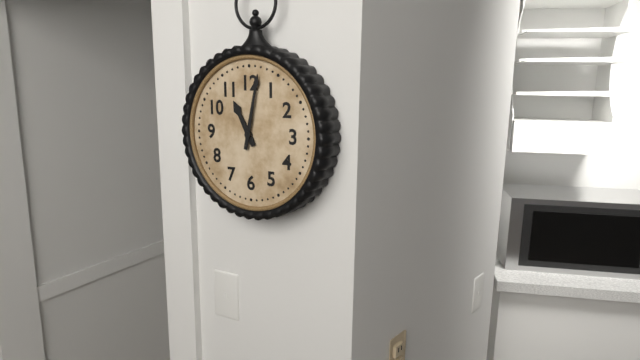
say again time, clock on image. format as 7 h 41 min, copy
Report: 11 h 02 min
